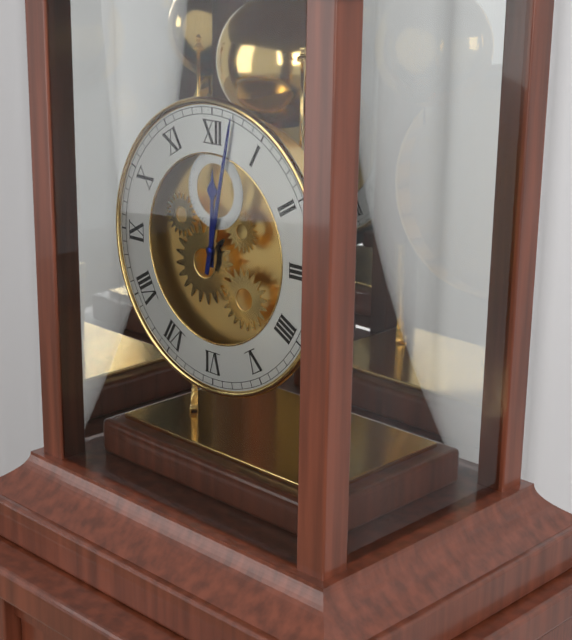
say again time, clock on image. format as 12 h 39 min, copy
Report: 12 h 02 min
